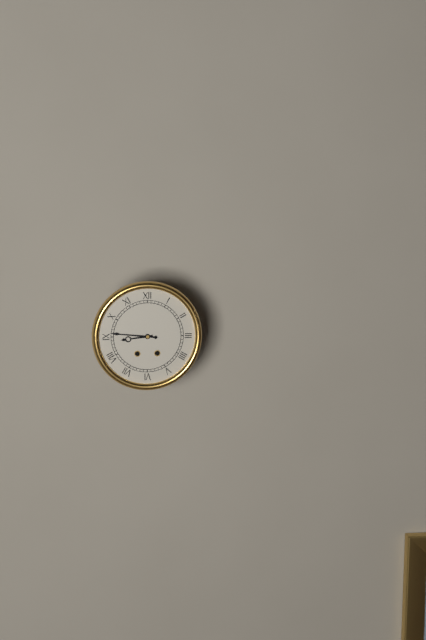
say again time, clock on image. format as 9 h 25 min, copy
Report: 8 h 46 min
